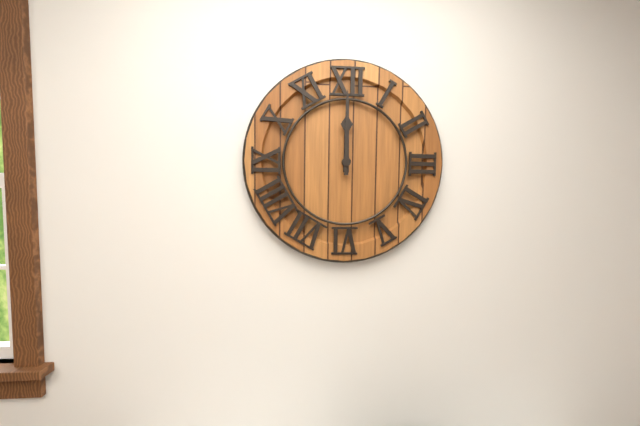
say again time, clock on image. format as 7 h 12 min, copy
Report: 12 h 00 min
